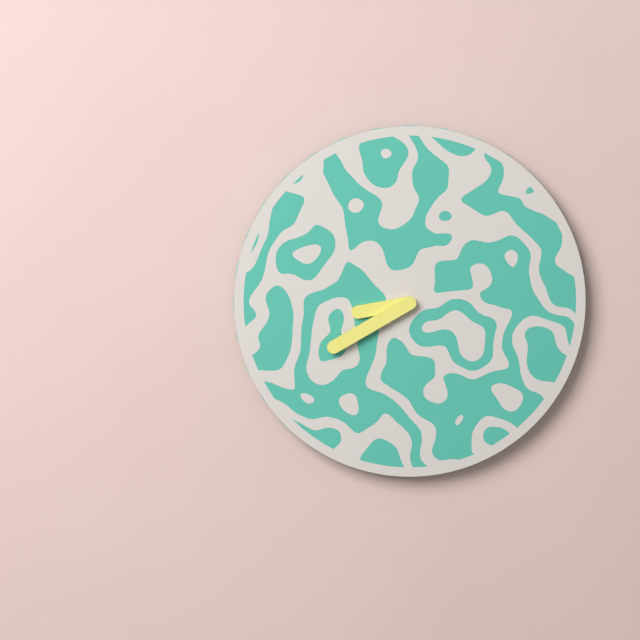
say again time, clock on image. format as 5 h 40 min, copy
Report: 8 h 40 min
